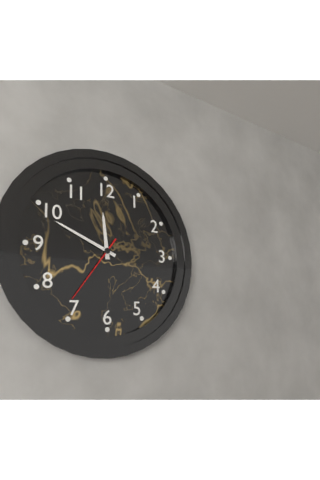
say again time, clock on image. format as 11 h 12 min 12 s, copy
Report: 11 h 49 min 36 s
